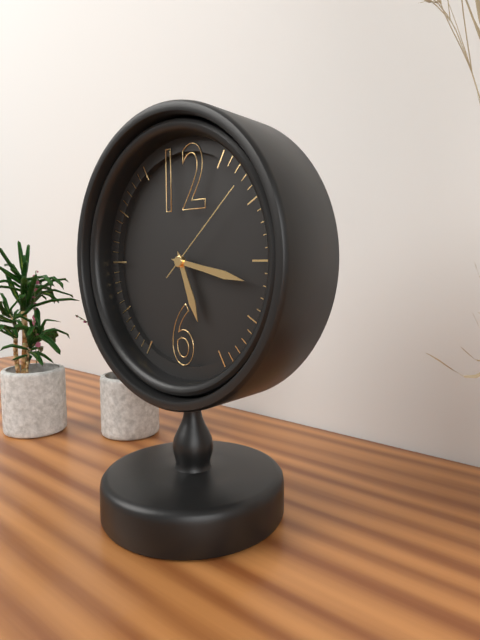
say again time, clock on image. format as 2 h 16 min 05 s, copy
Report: 5 h 17 min 08 s
